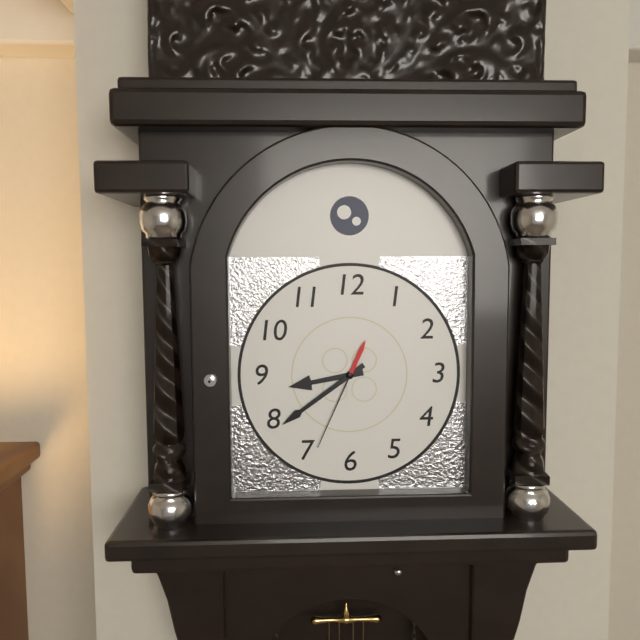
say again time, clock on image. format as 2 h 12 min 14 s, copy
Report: 8 h 39 min 34 s
